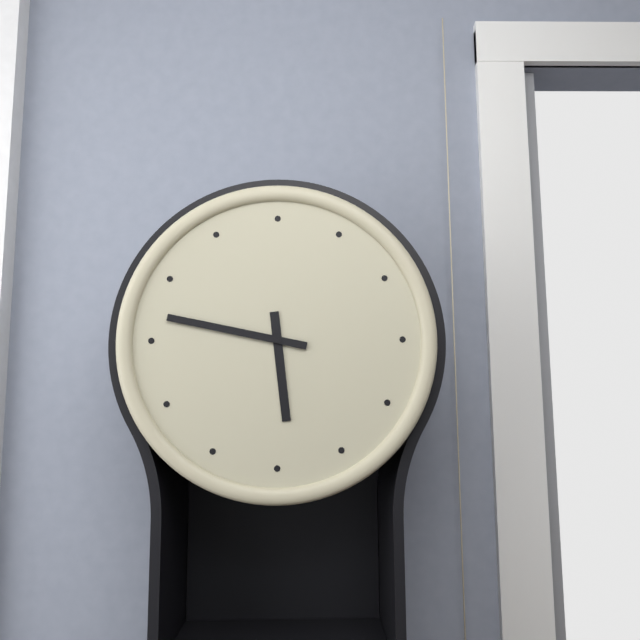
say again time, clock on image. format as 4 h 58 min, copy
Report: 5 h 47 min
